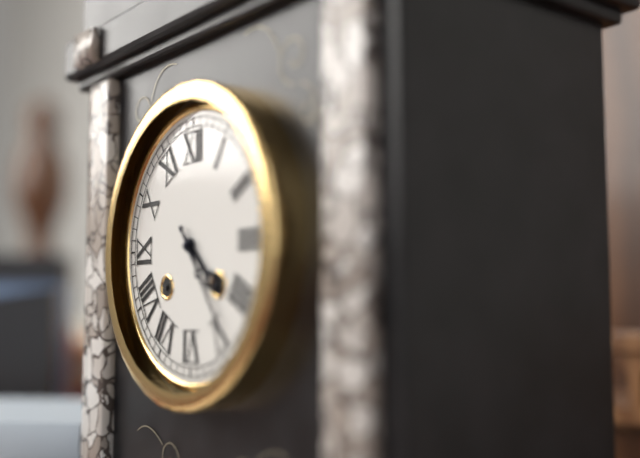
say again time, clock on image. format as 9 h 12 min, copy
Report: 4 h 24 min
